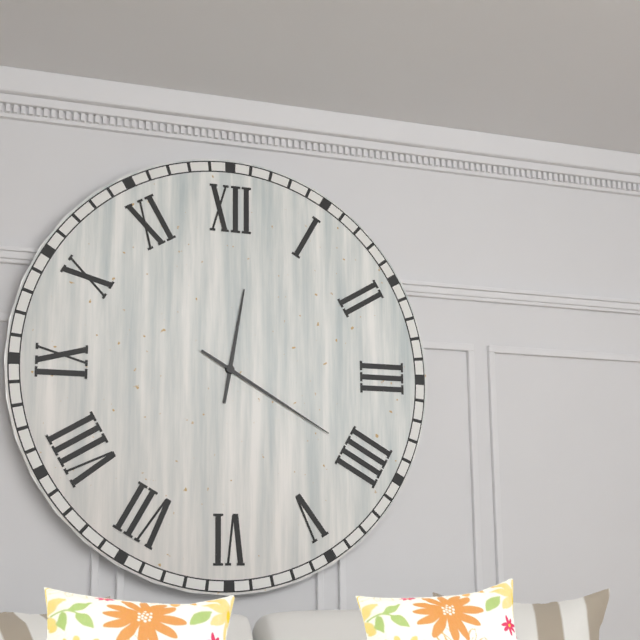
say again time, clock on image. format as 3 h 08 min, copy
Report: 12 h 20 min
